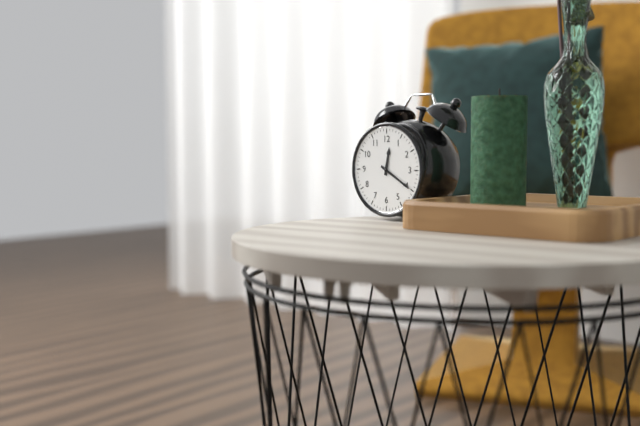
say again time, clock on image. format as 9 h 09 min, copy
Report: 12 h 20 min
